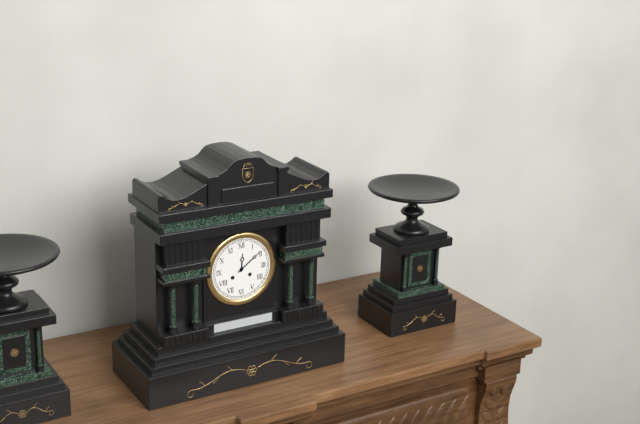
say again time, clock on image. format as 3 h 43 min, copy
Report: 12 h 09 min
